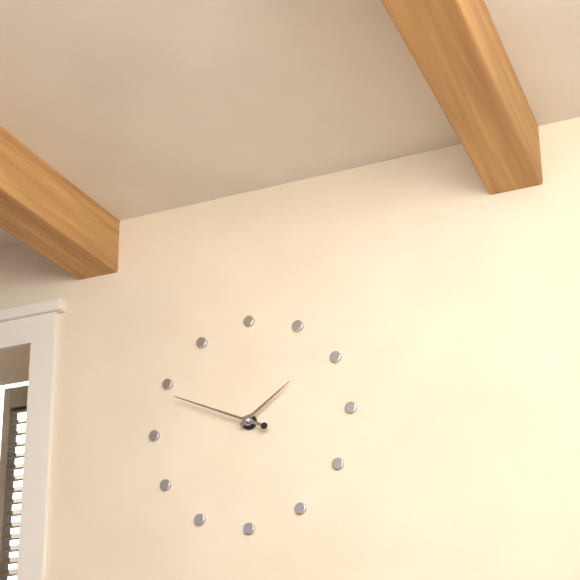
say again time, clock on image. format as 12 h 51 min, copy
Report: 1 h 49 min
